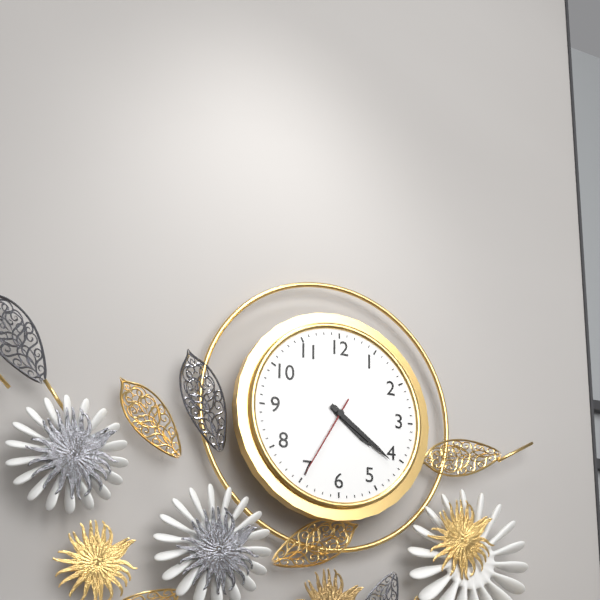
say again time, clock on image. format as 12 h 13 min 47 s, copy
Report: 4 h 21 min 35 s
